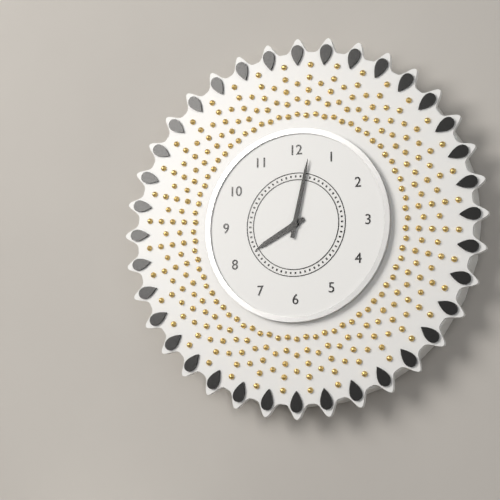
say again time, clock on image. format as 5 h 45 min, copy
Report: 8 h 02 min
